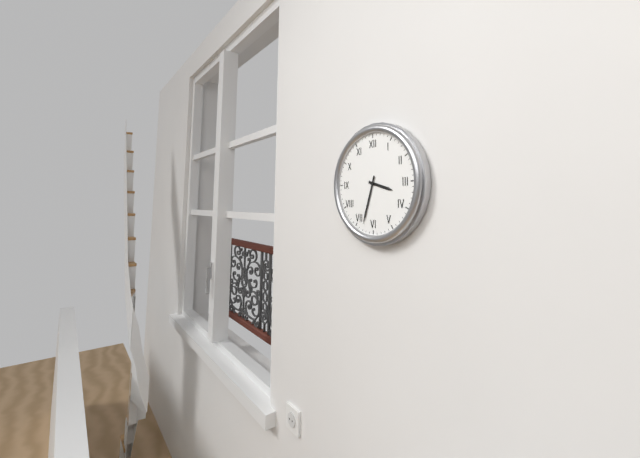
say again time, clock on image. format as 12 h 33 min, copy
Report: 3 h 33 min
